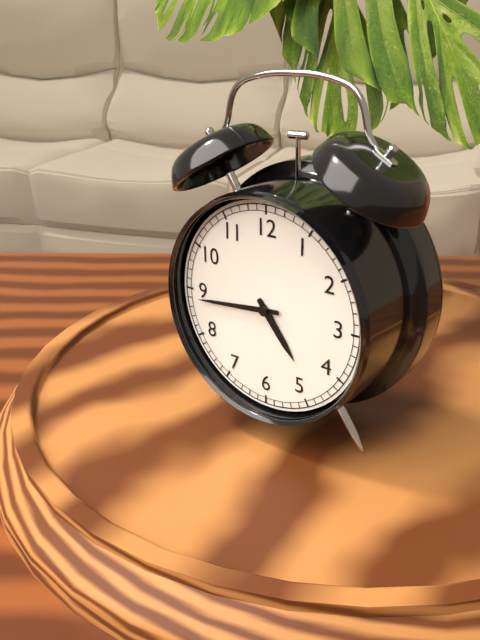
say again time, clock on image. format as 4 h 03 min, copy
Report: 4 h 44 min
